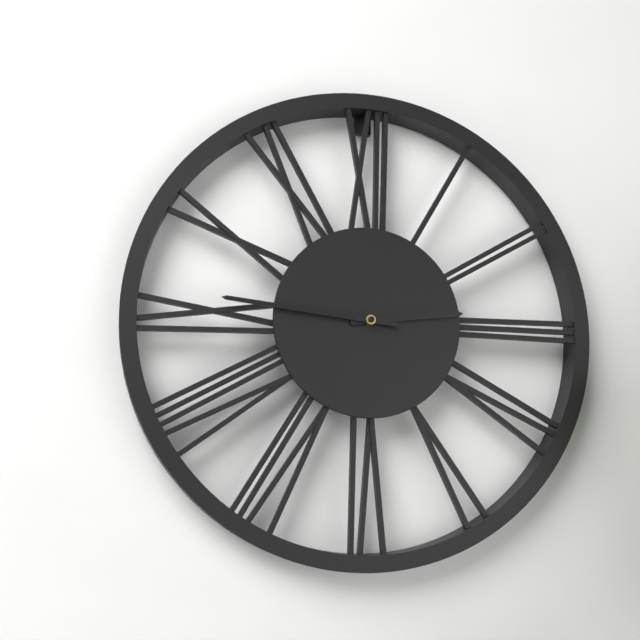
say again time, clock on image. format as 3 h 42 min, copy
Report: 2 h 46 min
